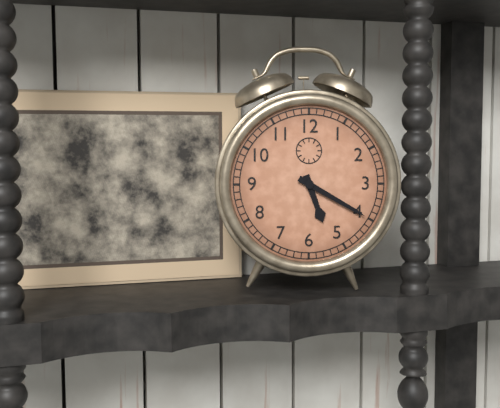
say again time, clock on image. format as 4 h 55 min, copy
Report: 5 h 20 min
